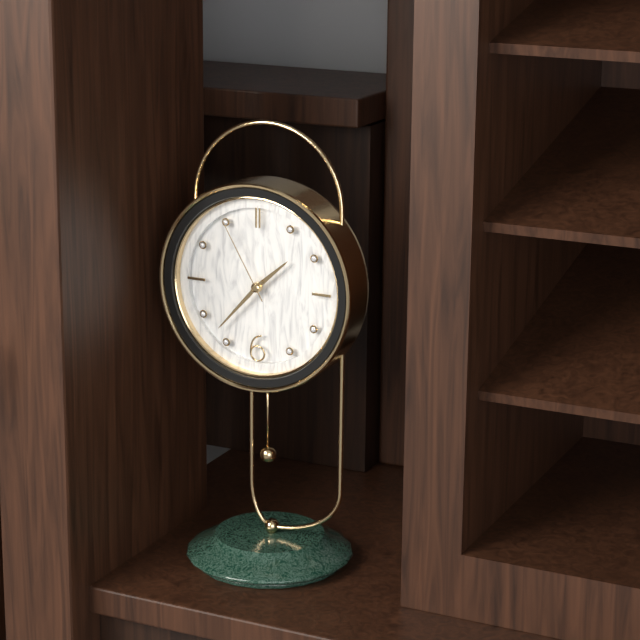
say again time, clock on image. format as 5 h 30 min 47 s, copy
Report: 1 h 37 min 55 s
